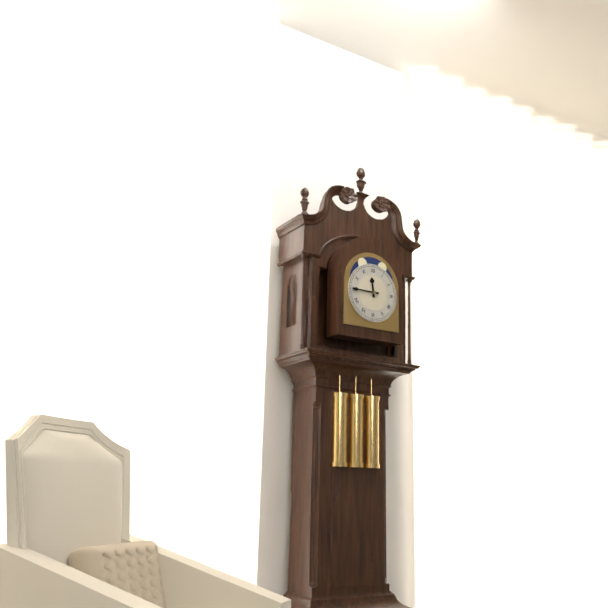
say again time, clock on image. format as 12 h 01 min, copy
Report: 11 h 45 min
